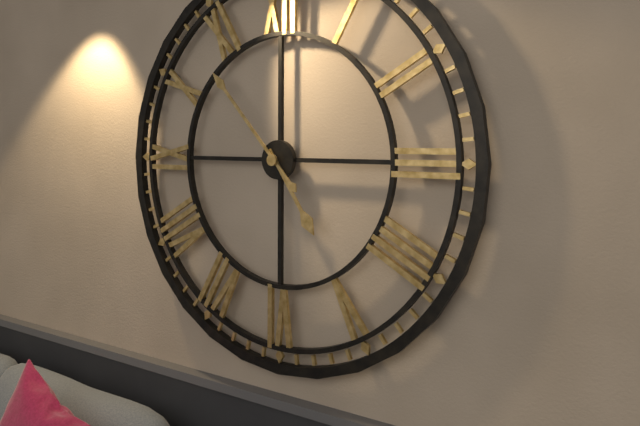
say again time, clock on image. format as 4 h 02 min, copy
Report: 4 h 53 min
